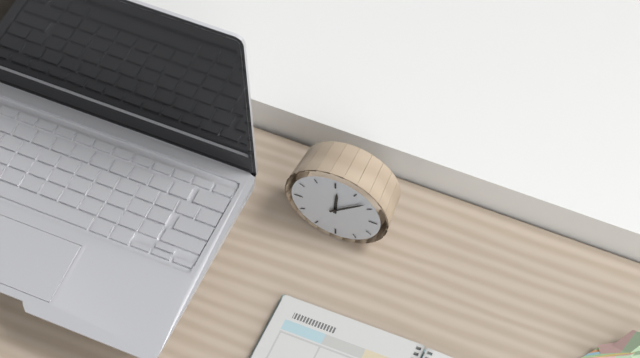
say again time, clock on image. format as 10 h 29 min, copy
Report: 12 h 08 min
